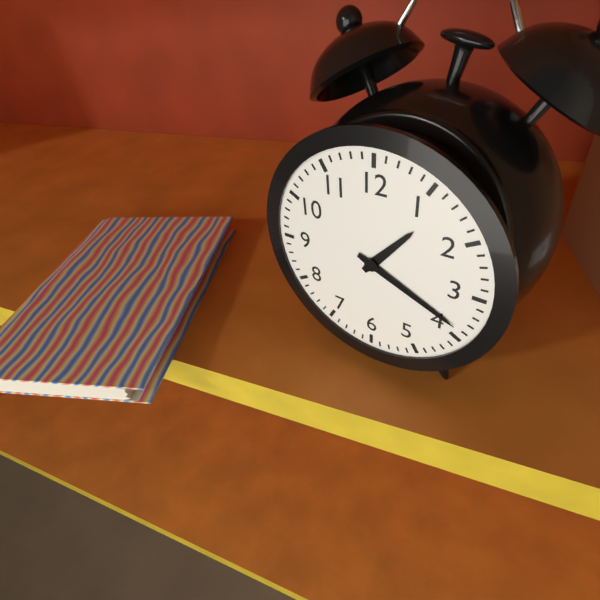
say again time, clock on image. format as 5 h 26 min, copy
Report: 1 h 19 min
